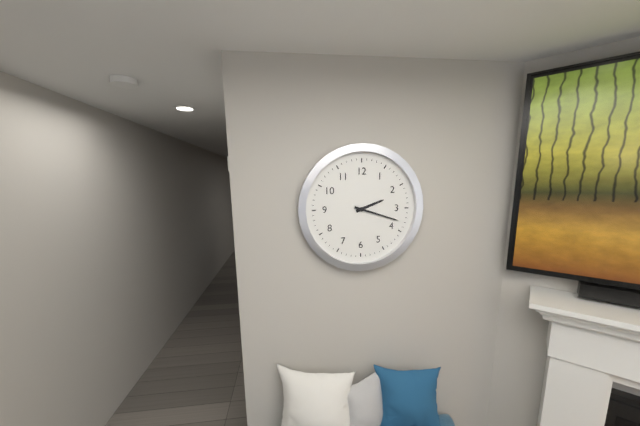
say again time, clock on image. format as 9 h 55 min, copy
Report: 2 h 18 min
